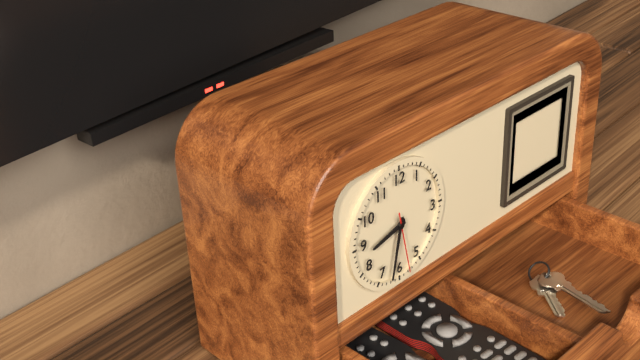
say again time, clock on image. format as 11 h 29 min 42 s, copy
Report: 8 h 32 min 28 s
